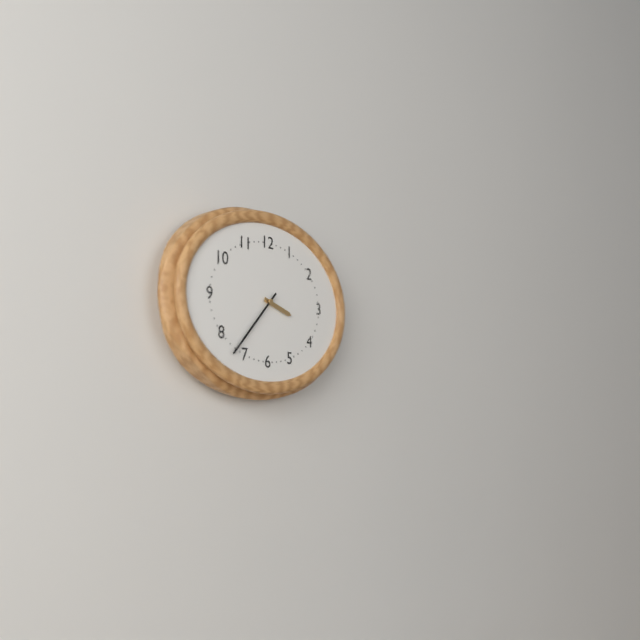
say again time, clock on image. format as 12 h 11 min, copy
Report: 3 h 37 min
